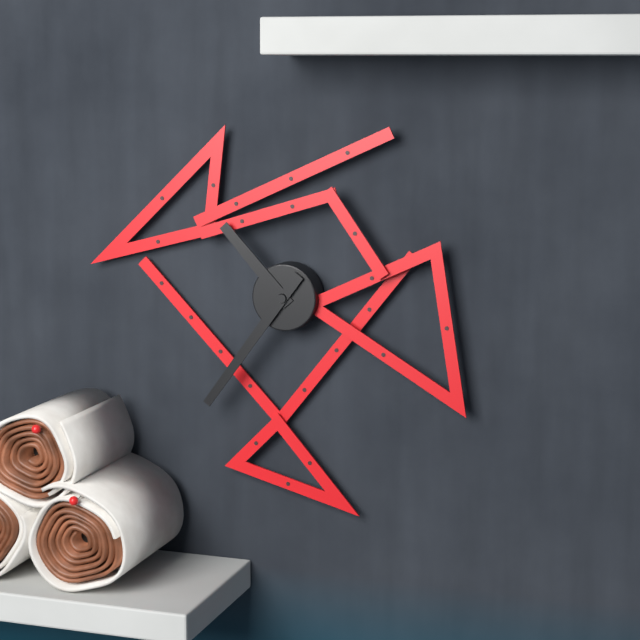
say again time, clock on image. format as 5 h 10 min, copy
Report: 10 h 36 min
